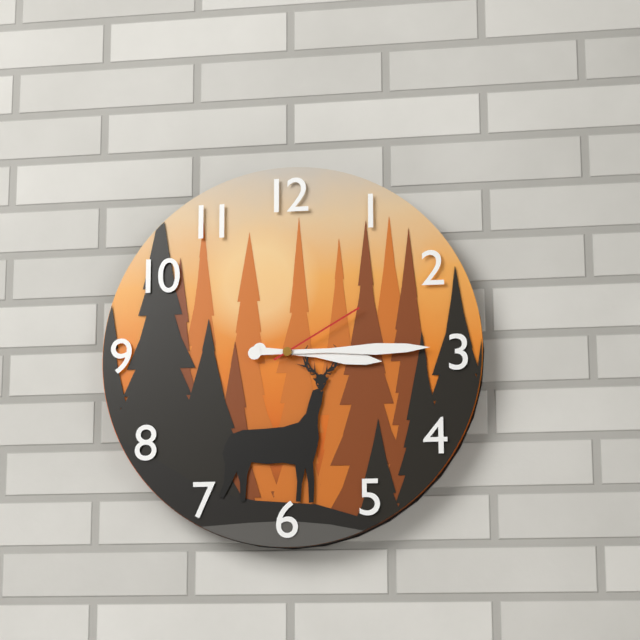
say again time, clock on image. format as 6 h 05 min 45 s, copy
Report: 3 h 15 min 10 s
